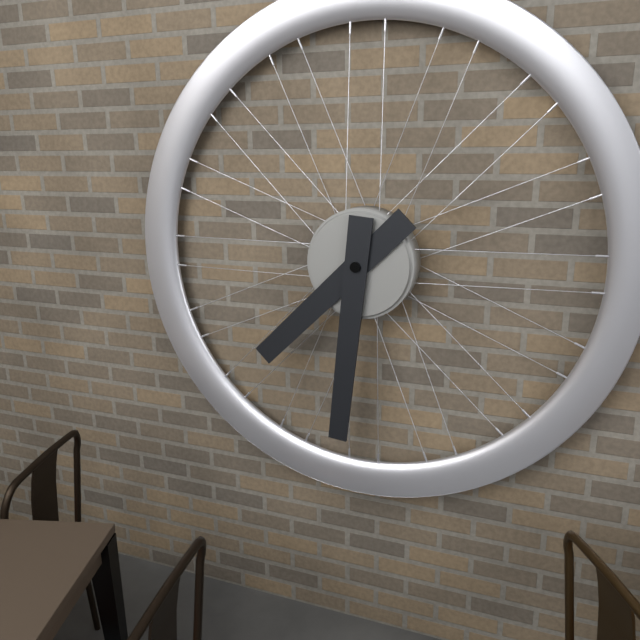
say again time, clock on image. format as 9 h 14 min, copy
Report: 7 h 31 min
